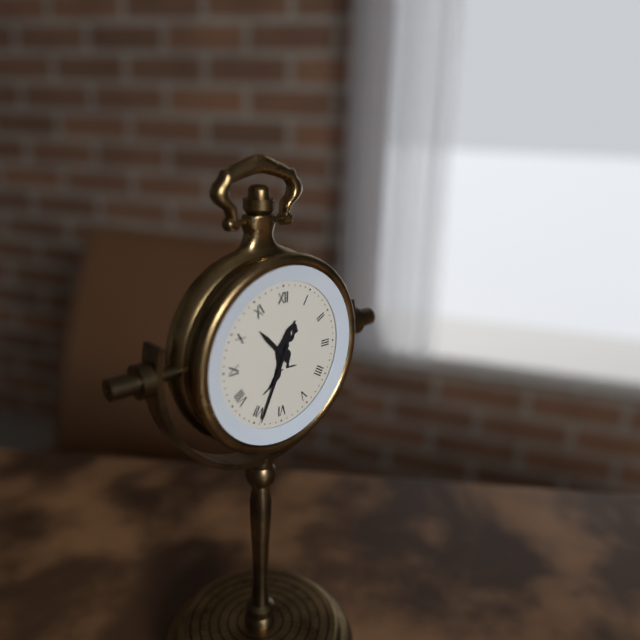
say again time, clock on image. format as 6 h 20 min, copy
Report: 10 h 34 min
